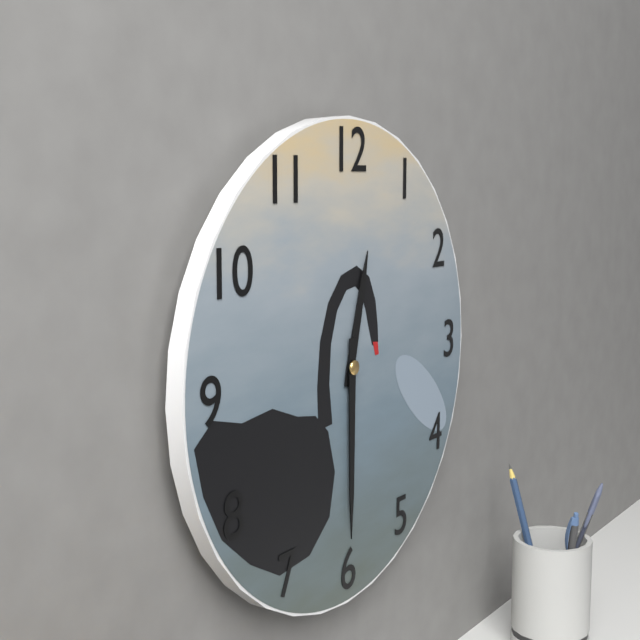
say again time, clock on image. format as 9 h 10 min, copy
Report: 12 h 30 min
